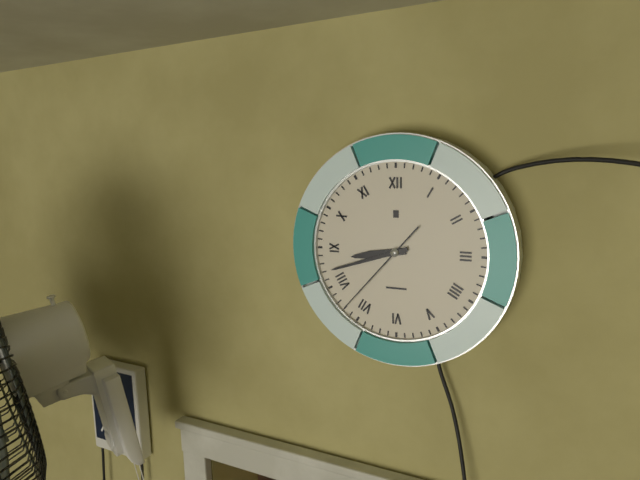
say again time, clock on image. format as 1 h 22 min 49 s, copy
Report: 8 h 42 min 37 s
